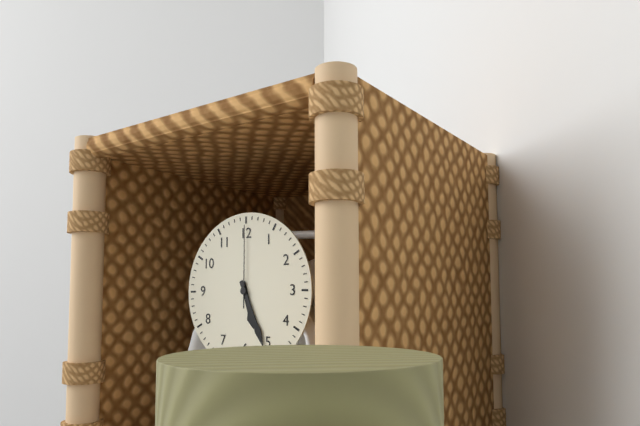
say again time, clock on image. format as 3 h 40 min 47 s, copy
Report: 5 h 26 min 00 s
